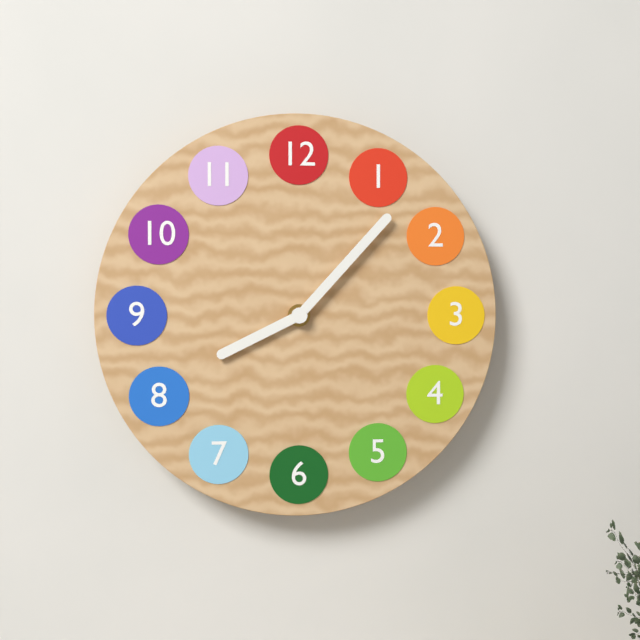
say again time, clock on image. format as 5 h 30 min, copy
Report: 8 h 07 min
